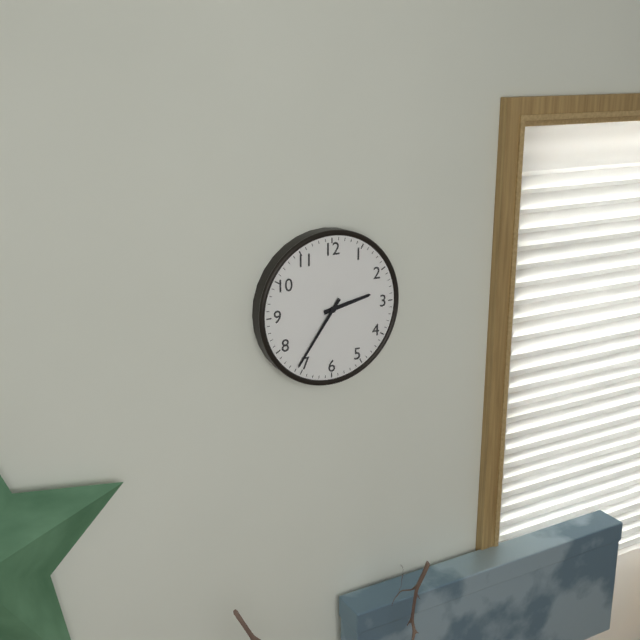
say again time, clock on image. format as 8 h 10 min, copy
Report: 2 h 36 min
